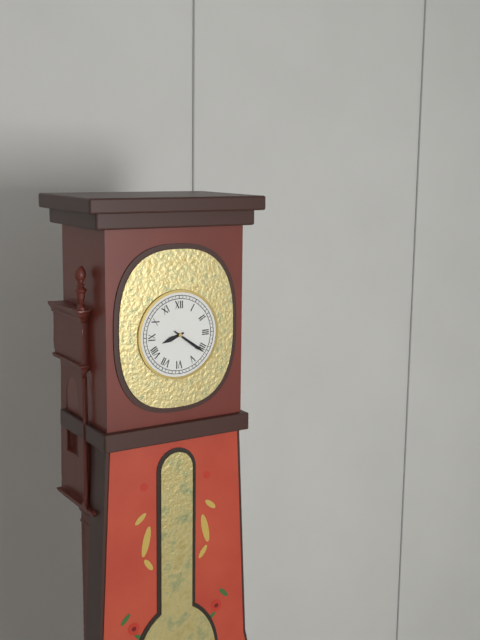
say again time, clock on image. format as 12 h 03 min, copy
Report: 8 h 21 min
